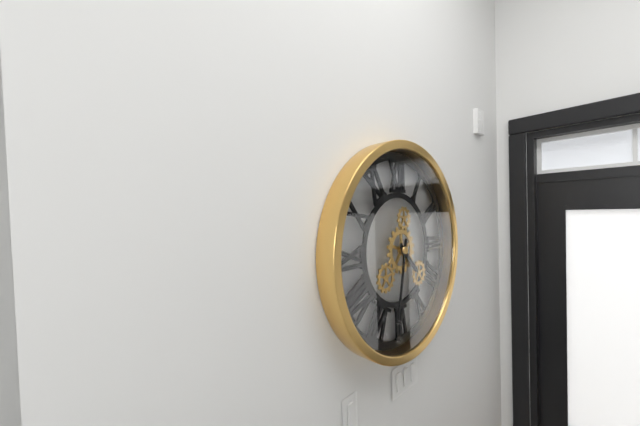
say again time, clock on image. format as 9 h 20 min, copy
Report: 4 h 32 min
